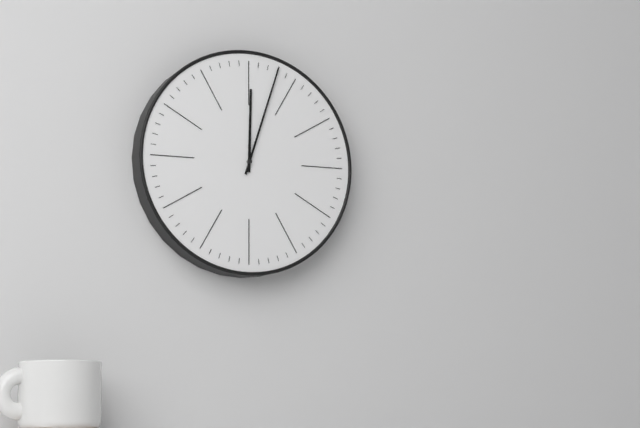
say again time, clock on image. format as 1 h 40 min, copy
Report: 12 h 03 min
